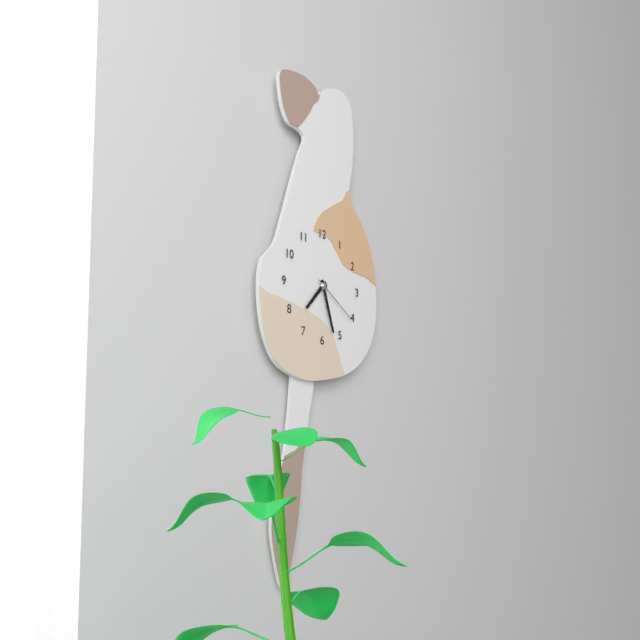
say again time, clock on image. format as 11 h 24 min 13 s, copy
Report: 7 h 27 min 21 s
